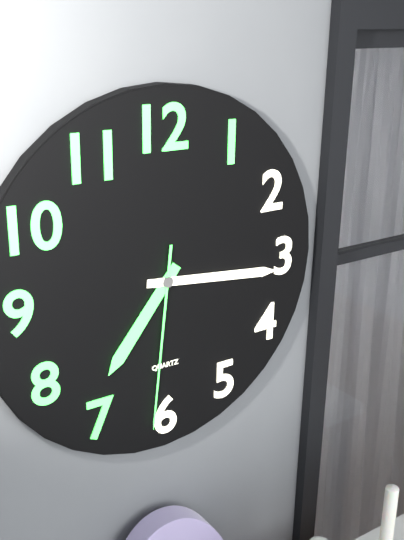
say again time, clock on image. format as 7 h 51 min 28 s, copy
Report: 7 h 16 min 31 s
